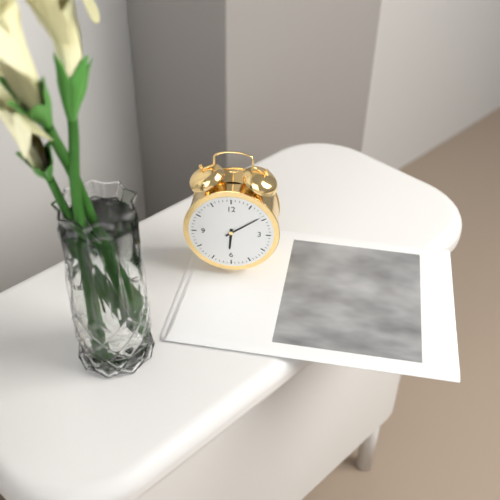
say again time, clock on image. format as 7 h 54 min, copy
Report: 6 h 09 min
